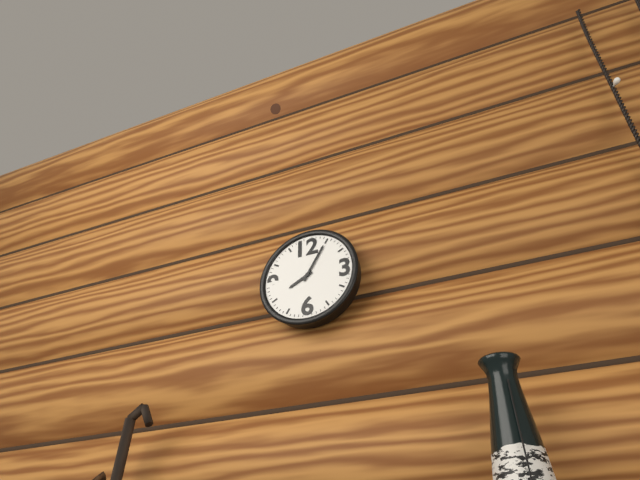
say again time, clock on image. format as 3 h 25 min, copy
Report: 8 h 05 min
